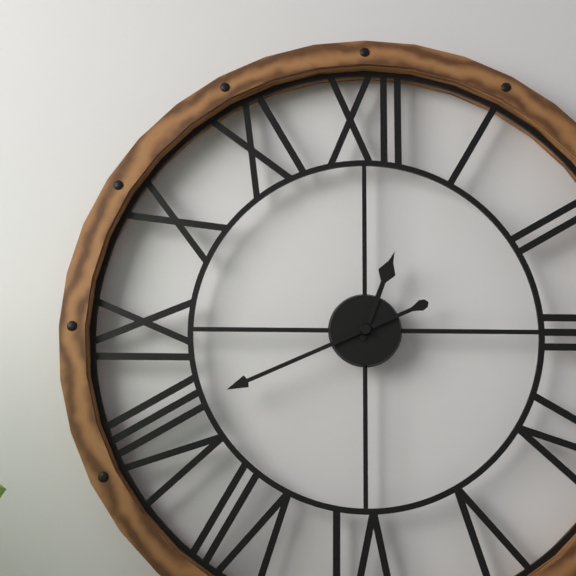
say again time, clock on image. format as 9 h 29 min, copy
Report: 12 h 41 min
